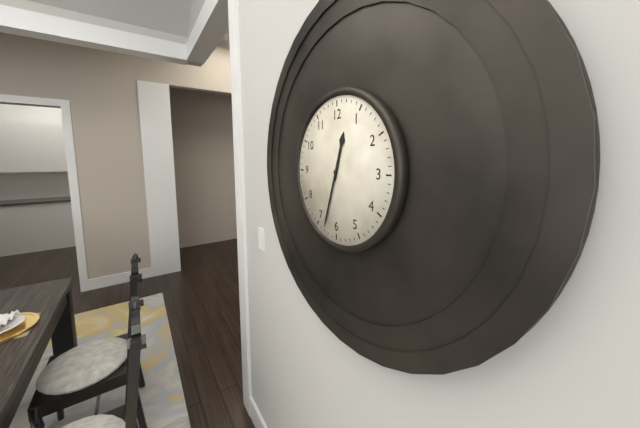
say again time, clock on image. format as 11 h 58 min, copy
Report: 12 h 33 min
